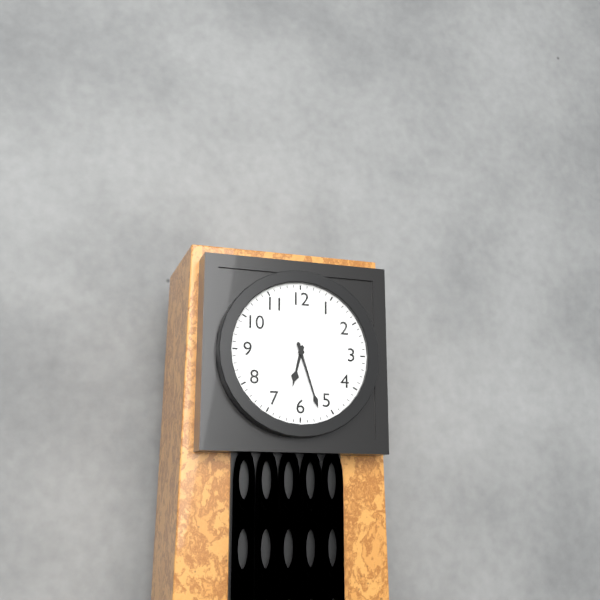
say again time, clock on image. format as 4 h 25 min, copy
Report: 6 h 27 min
